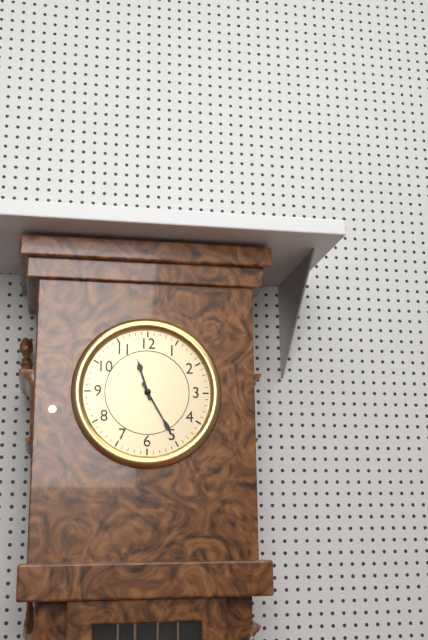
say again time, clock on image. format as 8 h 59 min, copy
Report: 11 h 25 min
